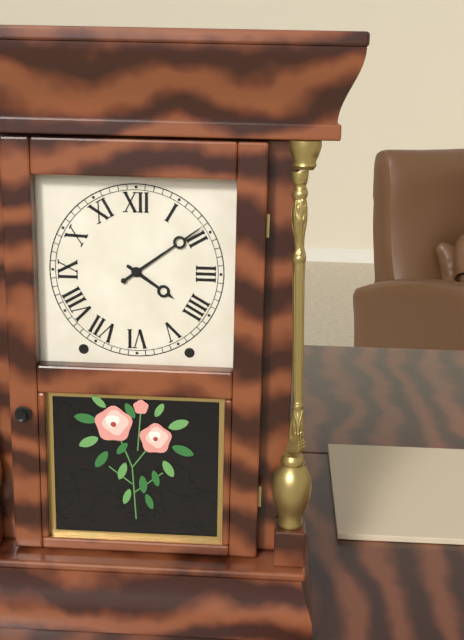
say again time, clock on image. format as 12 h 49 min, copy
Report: 4 h 09 min
